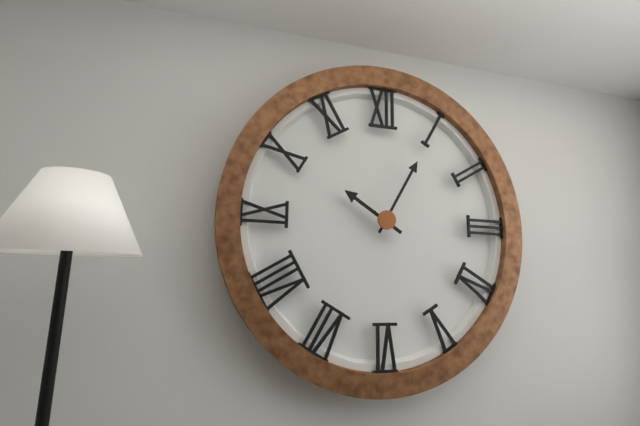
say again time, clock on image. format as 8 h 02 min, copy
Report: 10 h 05 min
